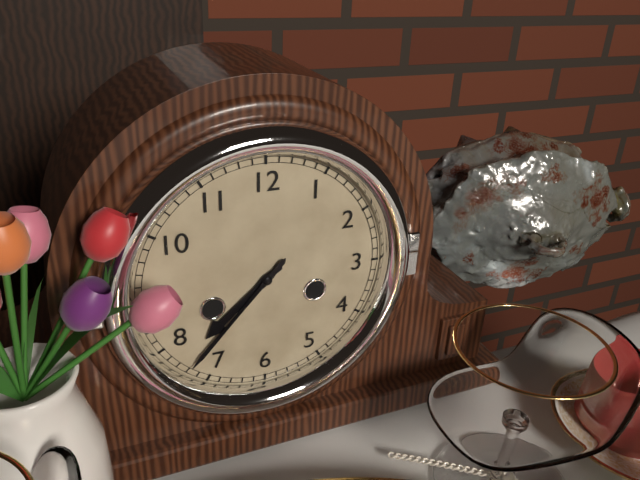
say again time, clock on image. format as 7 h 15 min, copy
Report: 7 h 37 min
